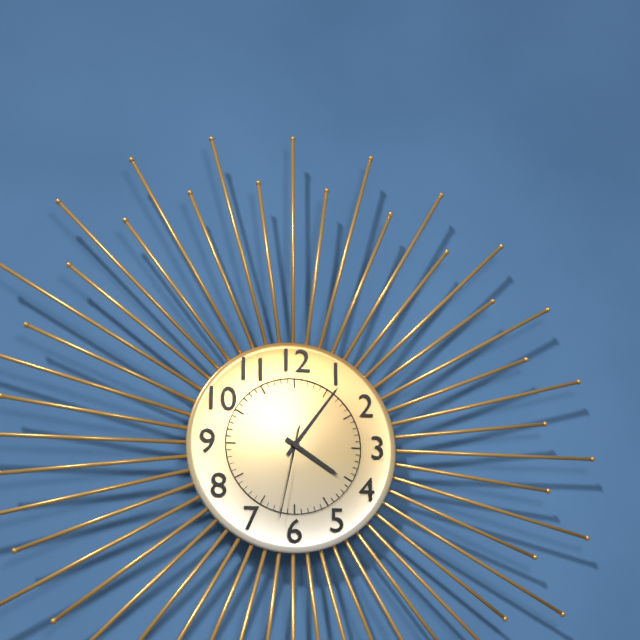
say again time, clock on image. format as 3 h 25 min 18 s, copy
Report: 4 h 06 min 32 s
